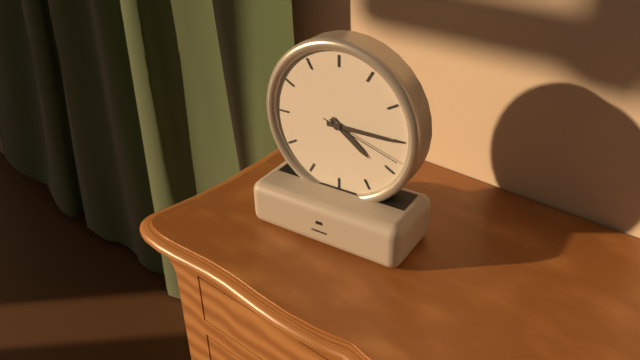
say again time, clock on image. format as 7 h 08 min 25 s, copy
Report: 4 h 15 min 18 s
